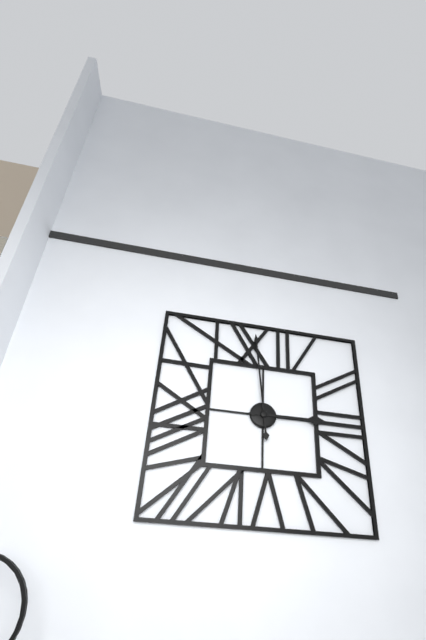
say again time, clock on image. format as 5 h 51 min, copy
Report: 2 h 59 min
